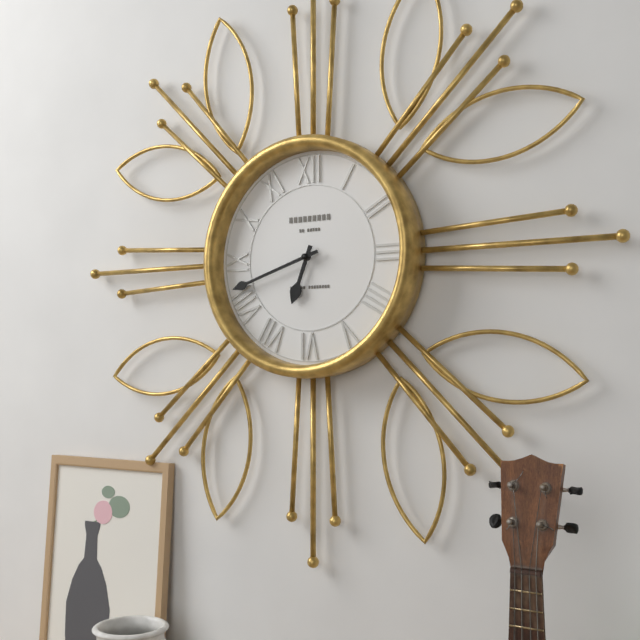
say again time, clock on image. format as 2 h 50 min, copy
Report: 6 h 42 min
